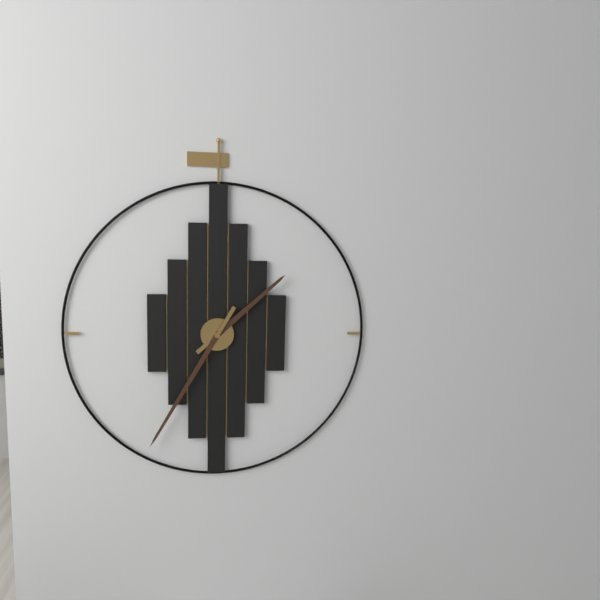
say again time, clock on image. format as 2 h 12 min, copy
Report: 1 h 35 min
